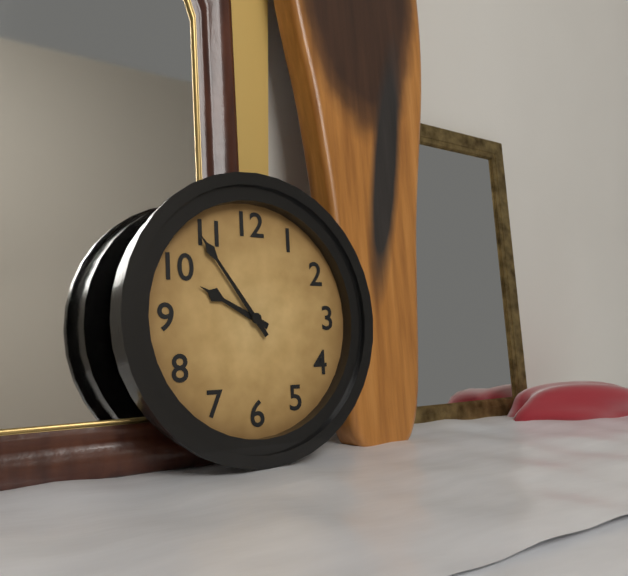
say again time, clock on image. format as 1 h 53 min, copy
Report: 9 h 54 min
